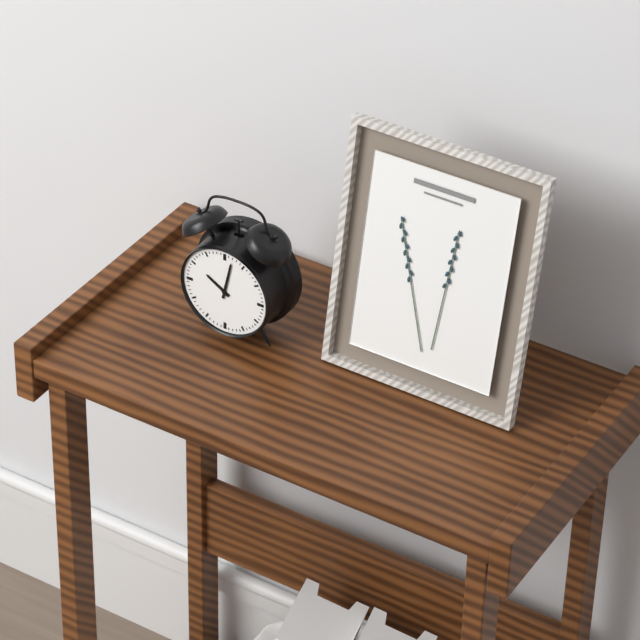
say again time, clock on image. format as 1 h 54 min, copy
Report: 10 h 02 min
